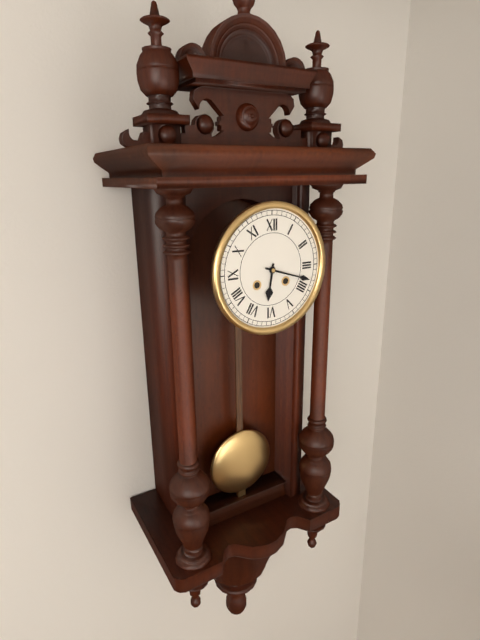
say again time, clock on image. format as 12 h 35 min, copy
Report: 6 h 18 min
